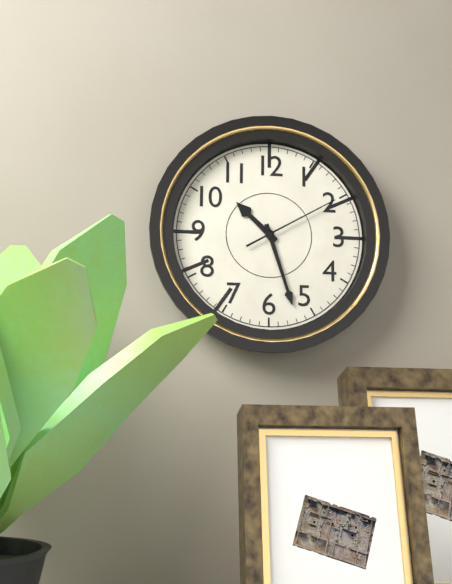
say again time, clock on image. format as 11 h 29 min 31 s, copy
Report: 10 h 27 min 10 s
